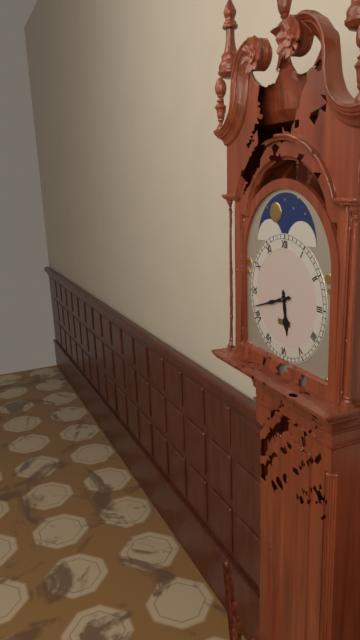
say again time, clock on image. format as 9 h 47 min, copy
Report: 5 h 42 min
